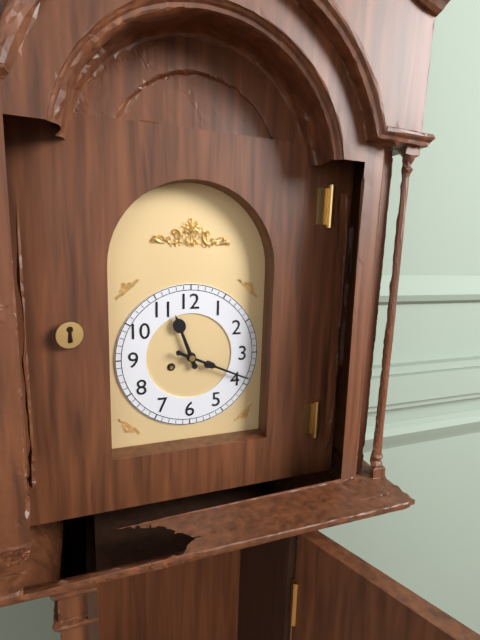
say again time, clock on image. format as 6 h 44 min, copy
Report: 11 h 19 min
